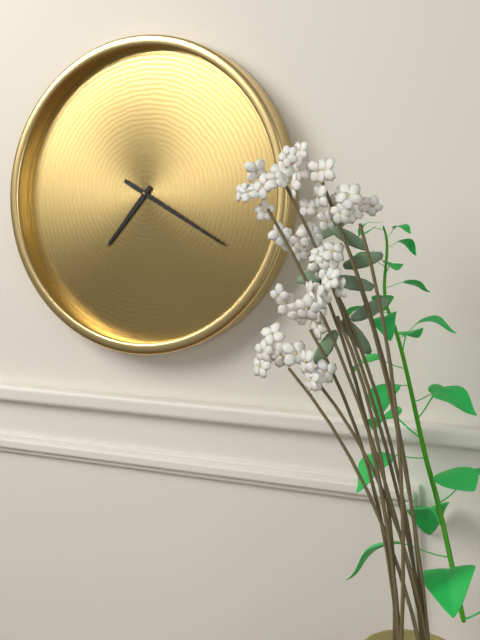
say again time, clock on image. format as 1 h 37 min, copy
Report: 7 h 20 min
